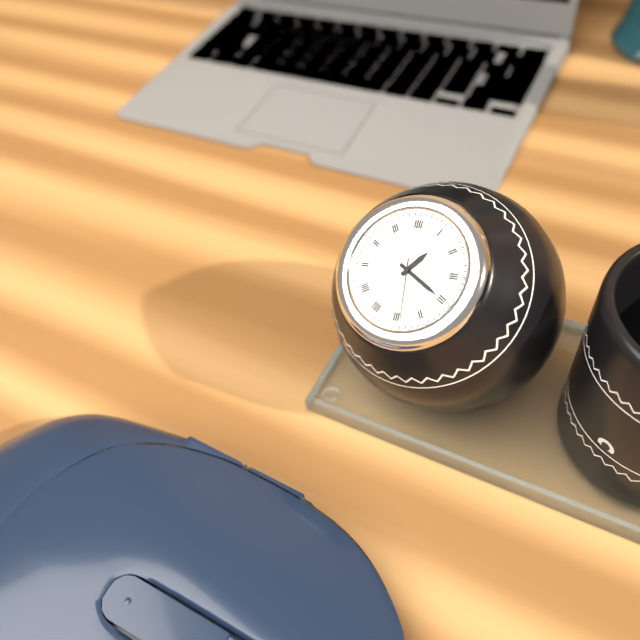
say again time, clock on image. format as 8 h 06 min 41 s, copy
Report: 1 h 20 min 29 s
